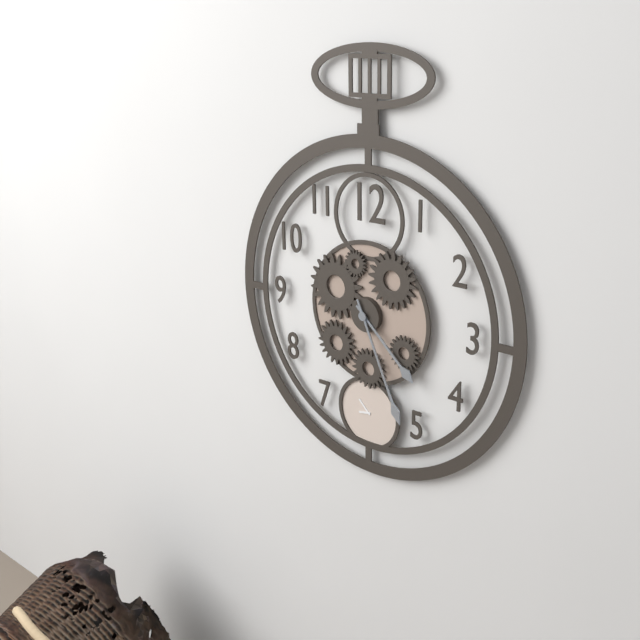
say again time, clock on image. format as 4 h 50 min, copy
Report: 4 h 26 min
